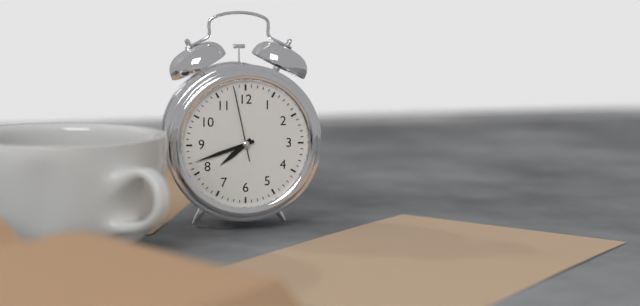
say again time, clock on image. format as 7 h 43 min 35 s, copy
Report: 7 h 42 min 58 s
